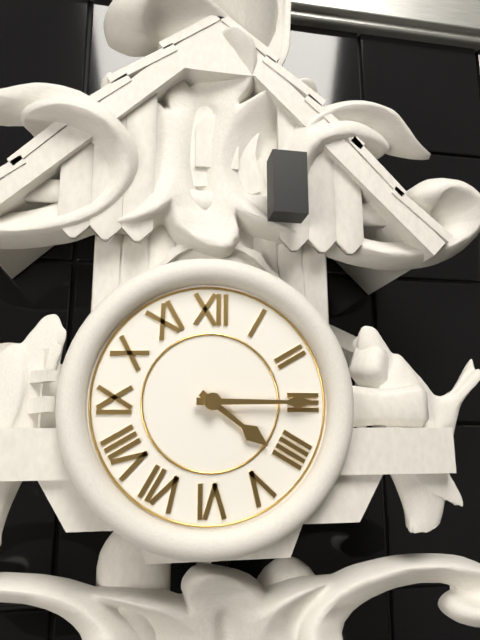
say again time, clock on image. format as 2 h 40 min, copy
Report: 4 h 15 min
